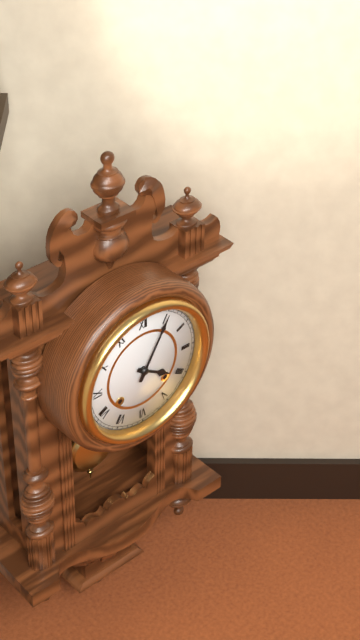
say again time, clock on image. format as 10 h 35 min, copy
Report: 4 h 05 min
